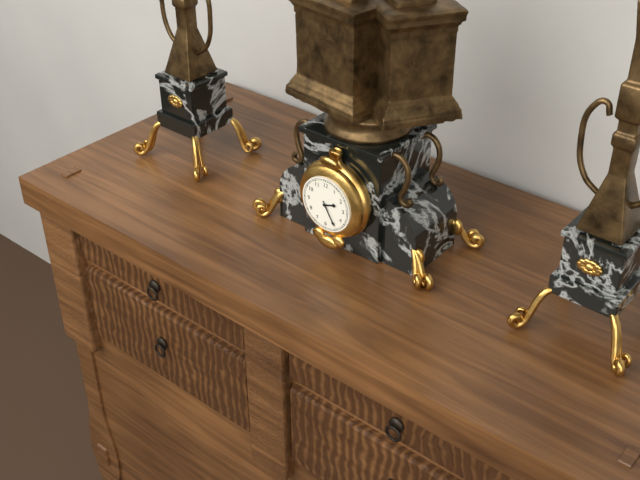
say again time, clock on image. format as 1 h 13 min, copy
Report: 2 h 25 min
